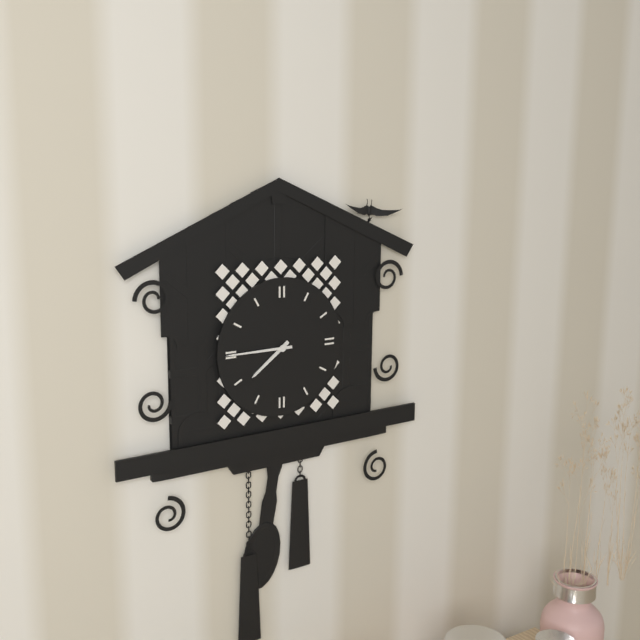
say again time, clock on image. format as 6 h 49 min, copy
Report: 7 h 45 min
